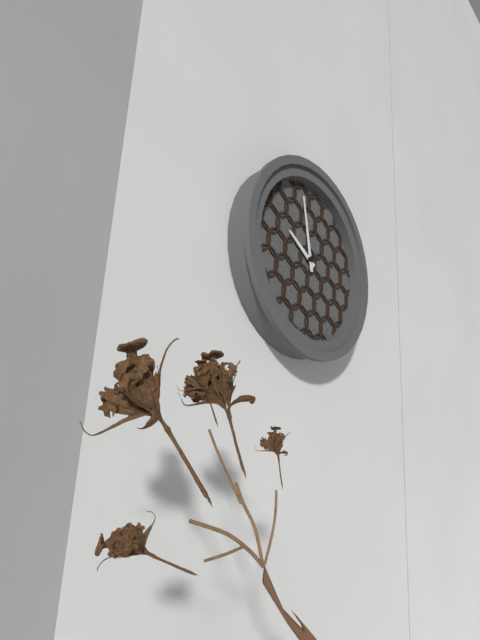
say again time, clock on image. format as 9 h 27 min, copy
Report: 9 h 58 min
